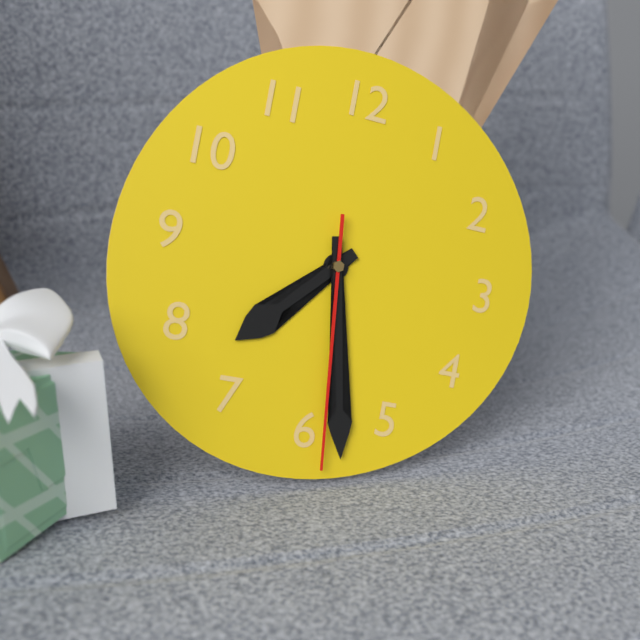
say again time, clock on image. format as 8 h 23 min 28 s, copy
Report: 7 h 28 min 29 s
